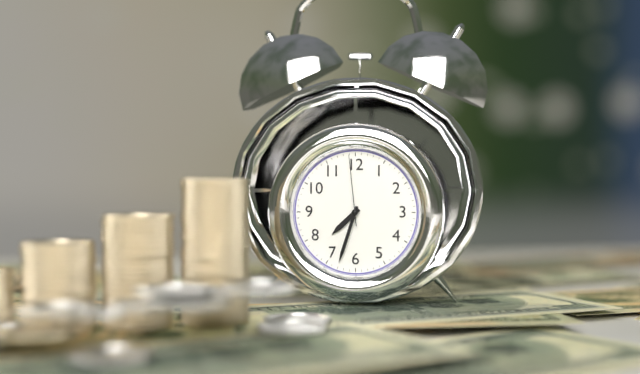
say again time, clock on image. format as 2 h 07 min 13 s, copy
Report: 7 h 33 min 59 s
